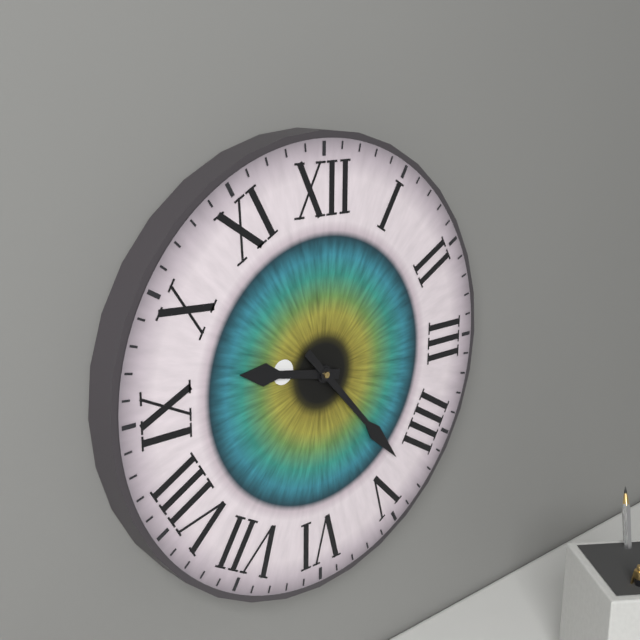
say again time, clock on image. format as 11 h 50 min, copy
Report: 9 h 23 min
